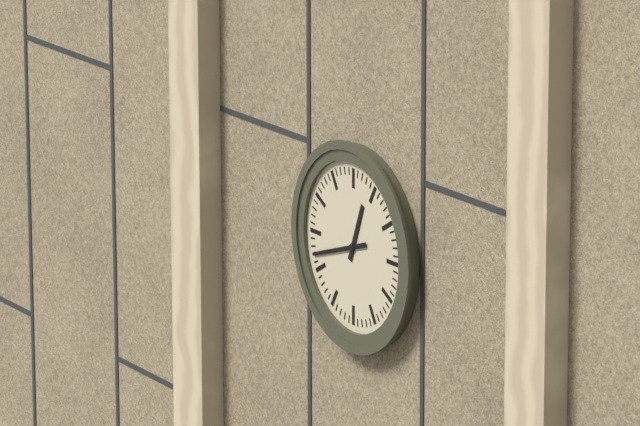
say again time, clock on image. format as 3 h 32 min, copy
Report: 12 h 42 min
